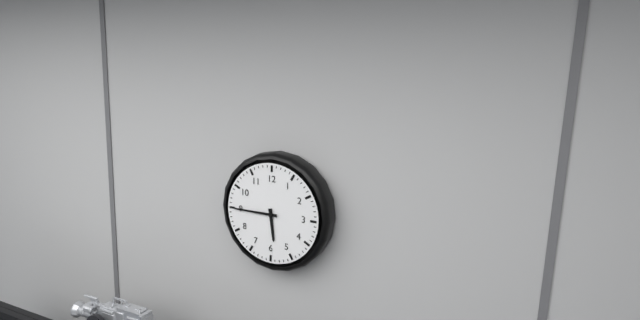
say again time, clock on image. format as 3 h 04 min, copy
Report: 5 h 45 min
